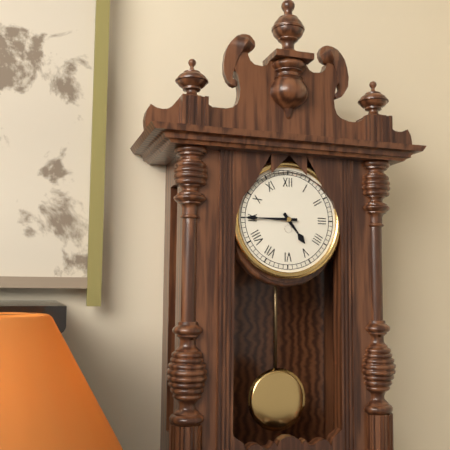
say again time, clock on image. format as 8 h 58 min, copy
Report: 4 h 45 min
